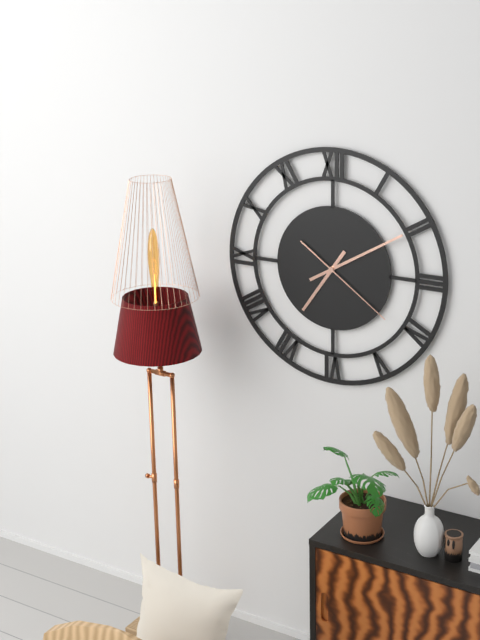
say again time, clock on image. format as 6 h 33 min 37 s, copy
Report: 7 h 10 min 21 s
